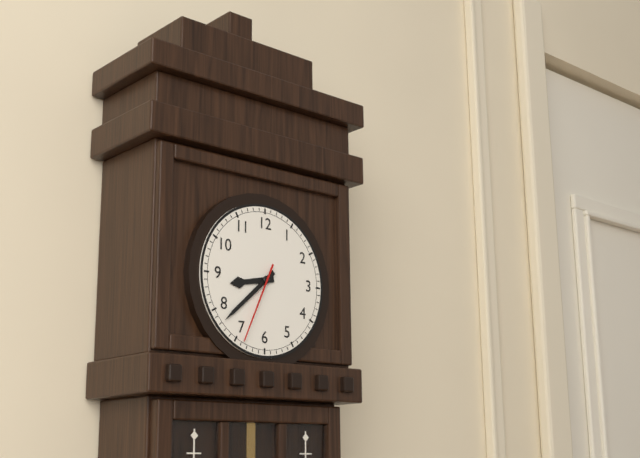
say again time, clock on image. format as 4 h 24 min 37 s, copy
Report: 8 h 38 min 34 s
